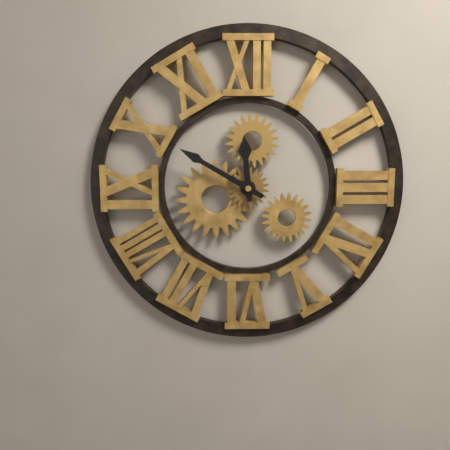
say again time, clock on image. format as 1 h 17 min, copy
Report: 11 h 50 min
